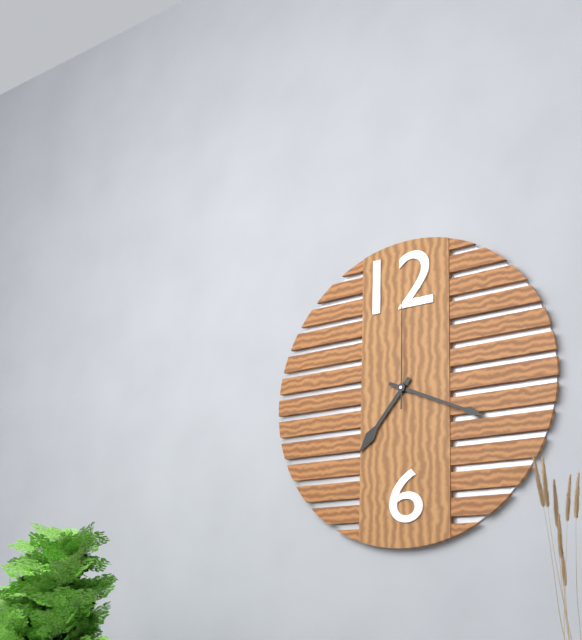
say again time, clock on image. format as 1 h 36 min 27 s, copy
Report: 7 h 19 min 00 s
